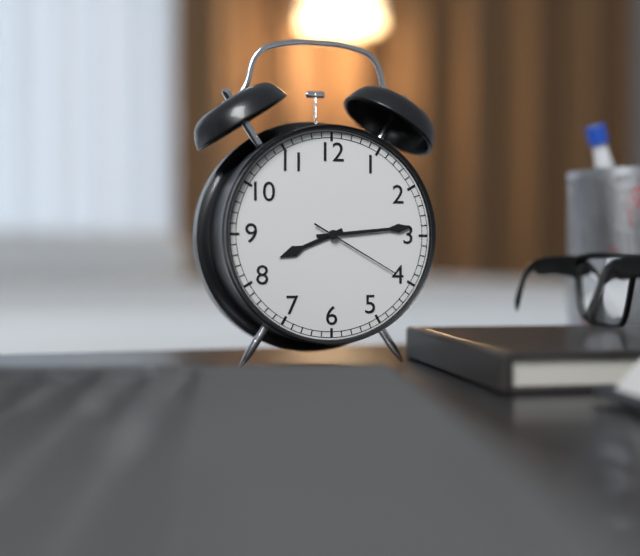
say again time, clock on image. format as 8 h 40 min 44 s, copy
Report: 8 h 14 min 20 s
